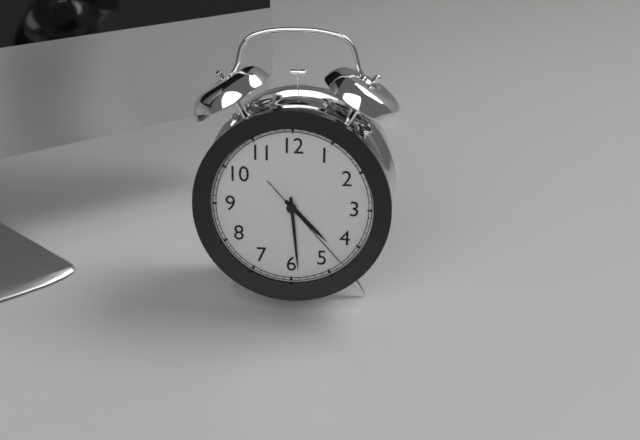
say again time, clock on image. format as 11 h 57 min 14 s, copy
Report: 4 h 29 min 23 s
